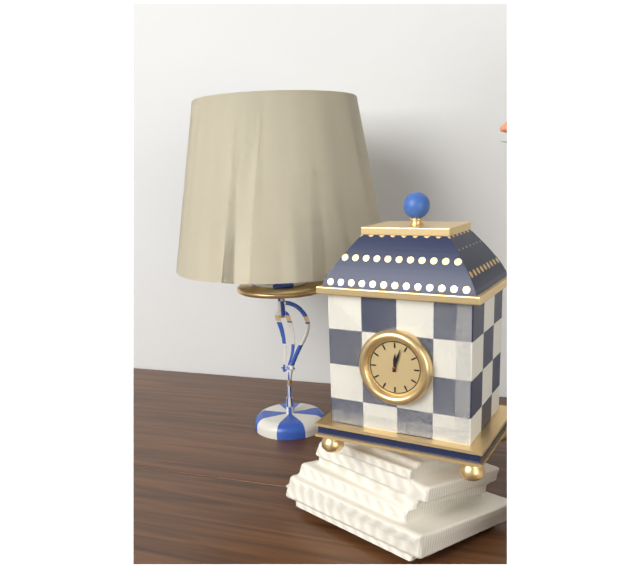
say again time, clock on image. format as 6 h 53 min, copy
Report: 12 h 03 min
